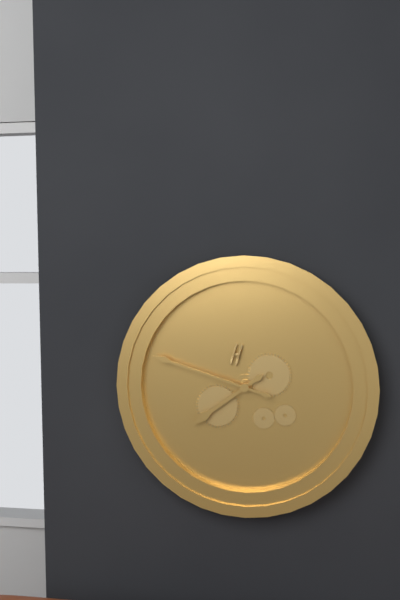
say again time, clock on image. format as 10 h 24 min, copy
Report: 7 h 48 min
